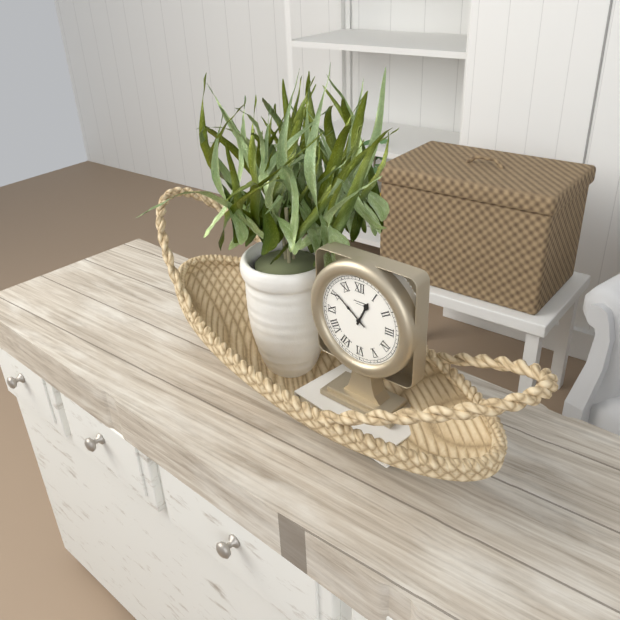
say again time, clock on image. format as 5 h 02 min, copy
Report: 12 h 51 min
